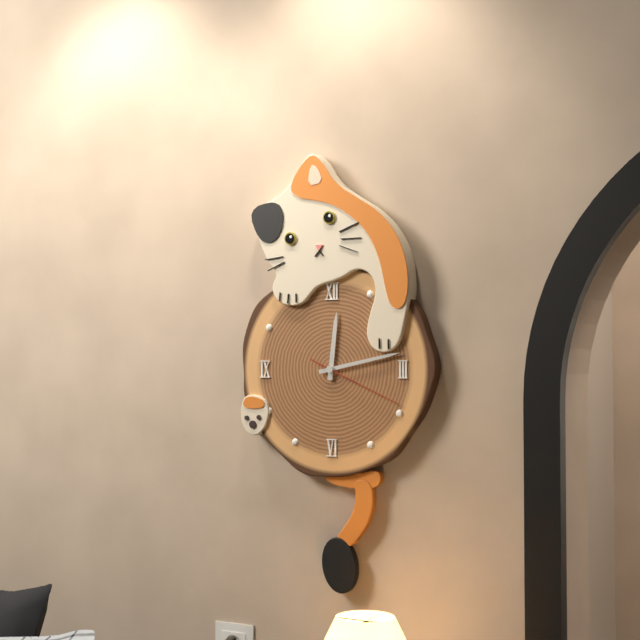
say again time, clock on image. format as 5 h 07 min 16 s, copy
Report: 12 h 13 min 19 s
